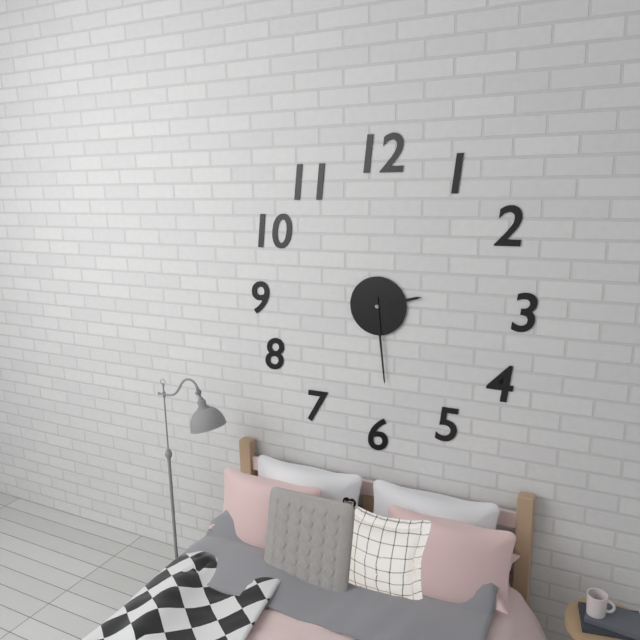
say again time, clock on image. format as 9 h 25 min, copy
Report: 2 h 29 min
